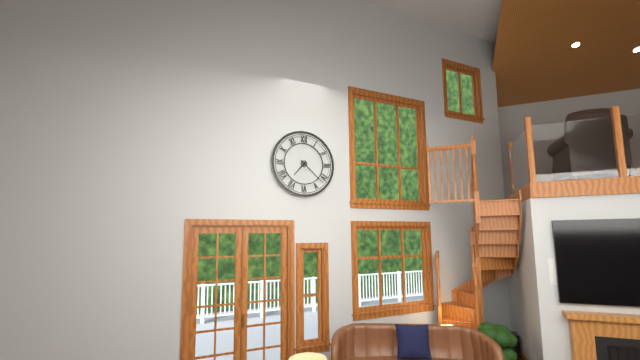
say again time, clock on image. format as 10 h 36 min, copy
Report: 7 h 22 min
